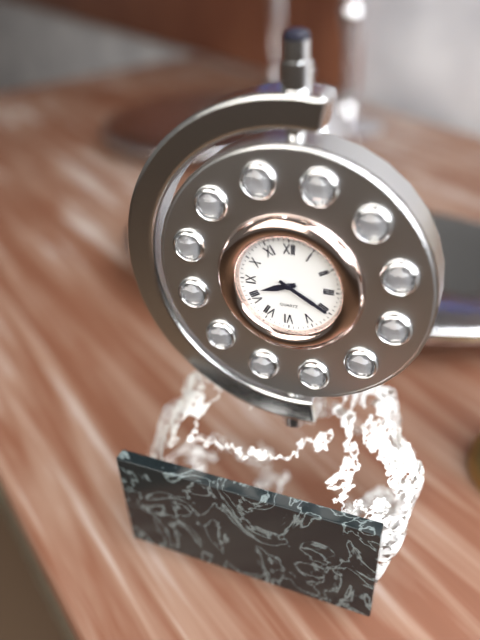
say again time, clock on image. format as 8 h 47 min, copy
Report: 8 h 20 min
